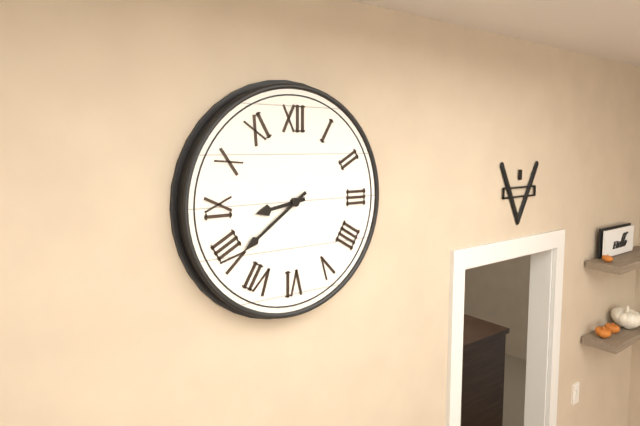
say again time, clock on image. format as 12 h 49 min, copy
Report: 8 h 39 min
